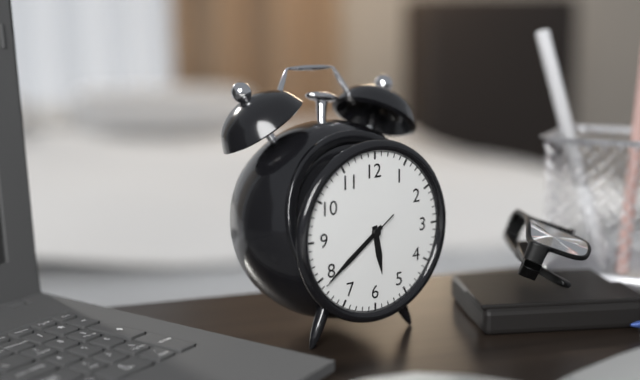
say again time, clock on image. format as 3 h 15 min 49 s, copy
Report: 5 h 39 min 39 s
